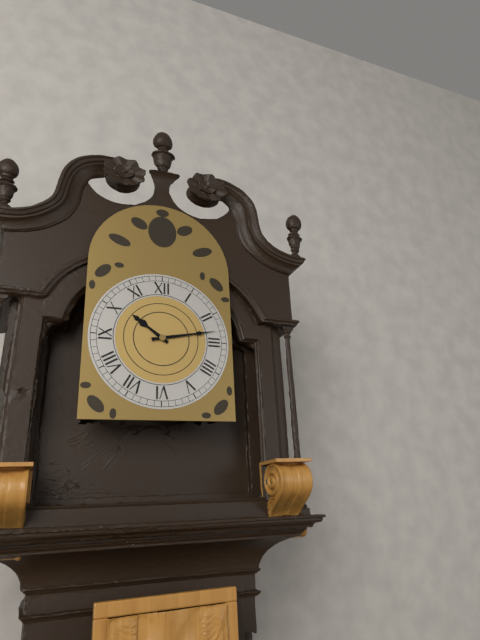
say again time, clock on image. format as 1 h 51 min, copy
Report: 10 h 13 min
